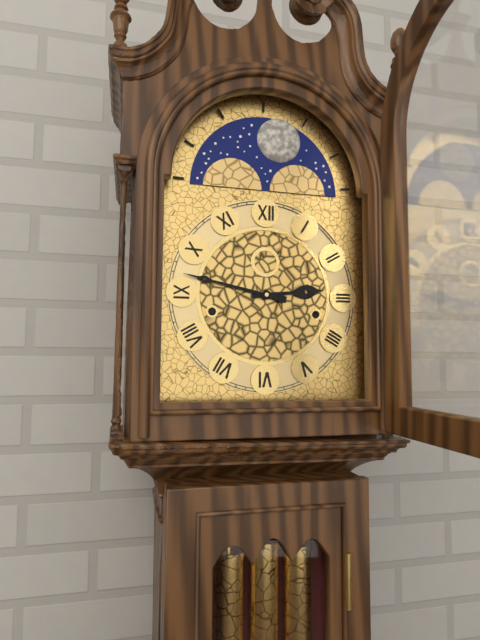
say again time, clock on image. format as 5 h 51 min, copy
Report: 2 h 47 min
